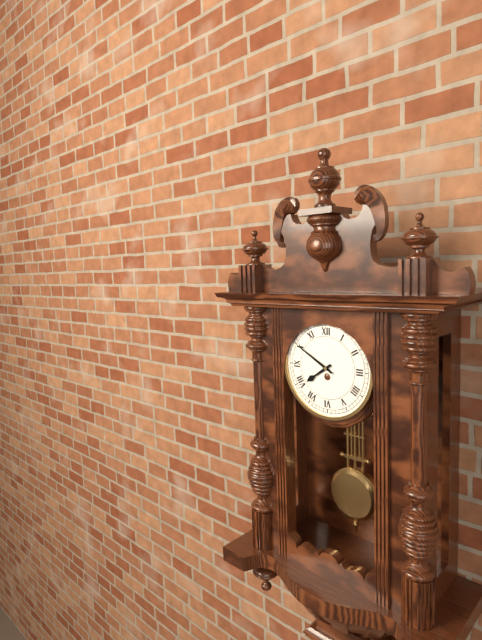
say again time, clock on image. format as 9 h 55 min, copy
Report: 7 h 50 min
